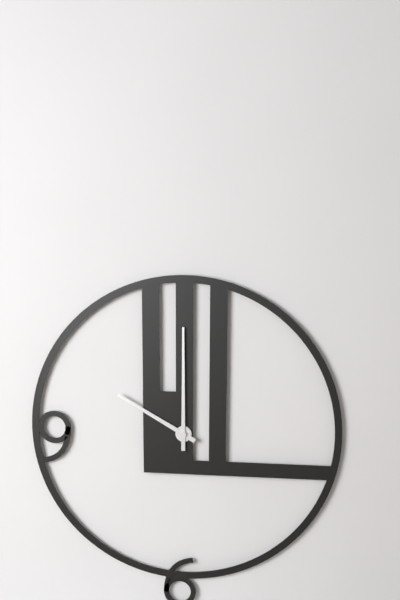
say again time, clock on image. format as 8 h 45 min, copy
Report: 10 h 00 min
